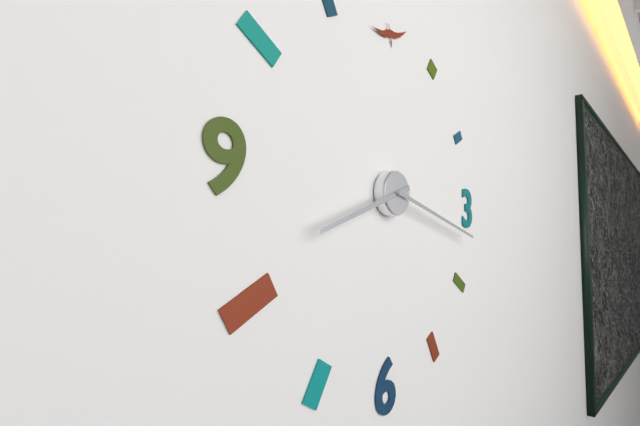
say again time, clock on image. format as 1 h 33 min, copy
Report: 8 h 17 min
